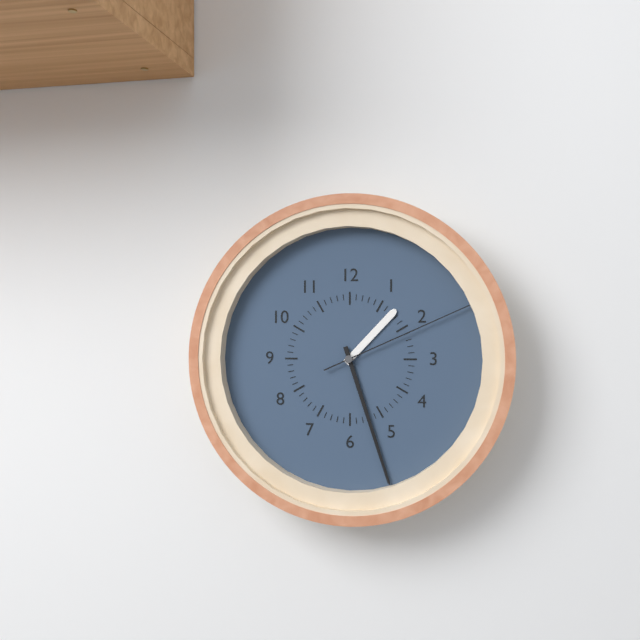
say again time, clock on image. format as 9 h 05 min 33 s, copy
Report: 1 h 27 min 11 s
